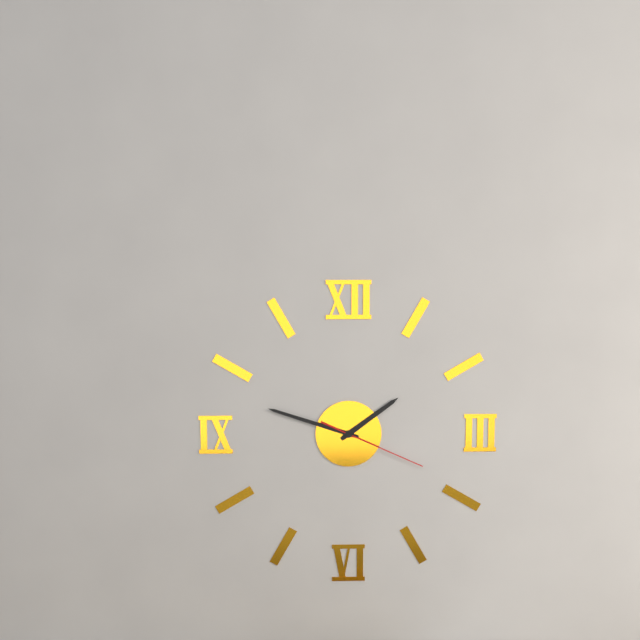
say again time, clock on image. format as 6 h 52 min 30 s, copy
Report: 1 h 48 min 19 s
